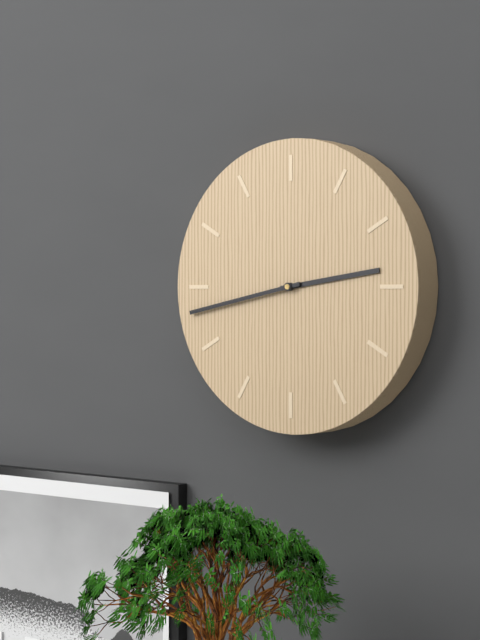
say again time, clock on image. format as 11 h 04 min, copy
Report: 2 h 43 min
